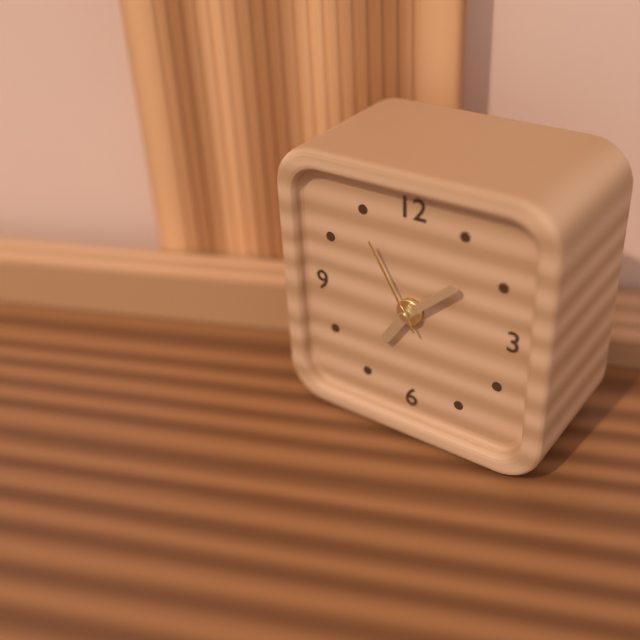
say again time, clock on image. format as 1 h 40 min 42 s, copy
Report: 7 h 08 min 55 s
